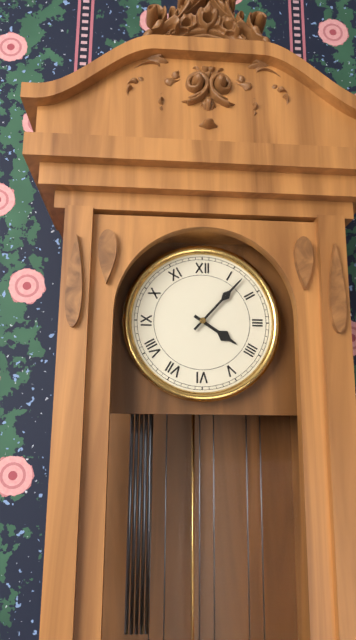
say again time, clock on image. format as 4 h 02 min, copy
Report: 4 h 07 min
